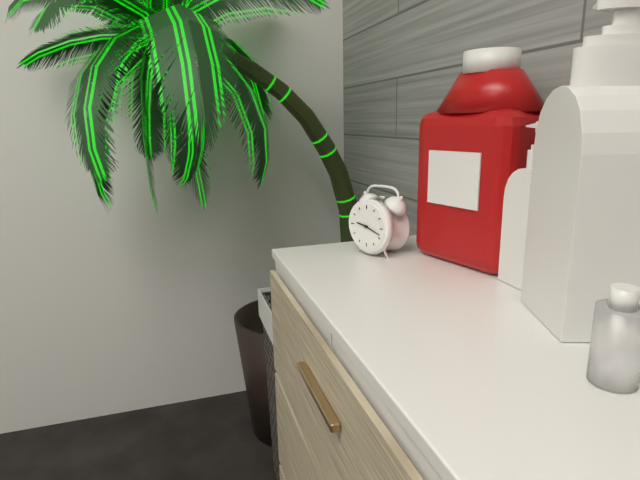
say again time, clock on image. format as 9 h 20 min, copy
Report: 9 h 18 min
